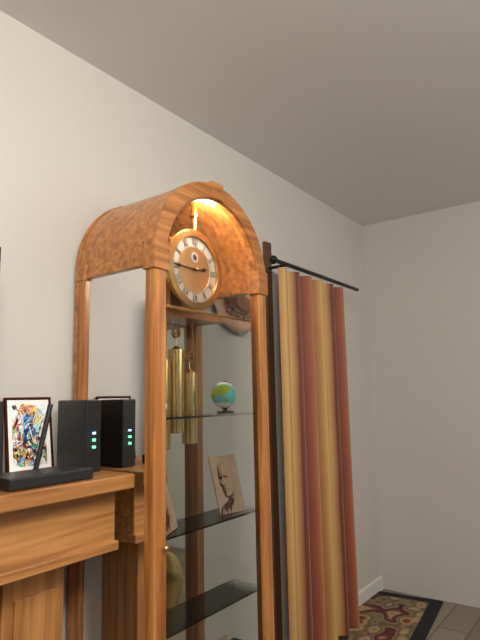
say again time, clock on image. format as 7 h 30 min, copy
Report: 2 h 45 min
